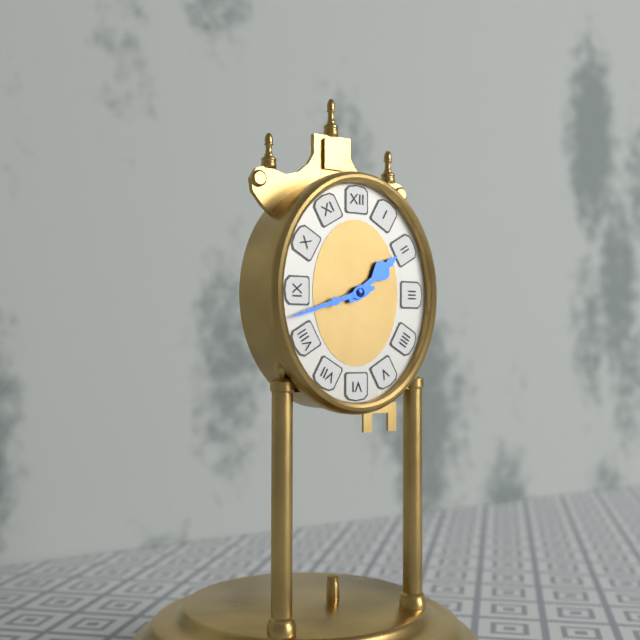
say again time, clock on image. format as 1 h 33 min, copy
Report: 1 h 42 min
